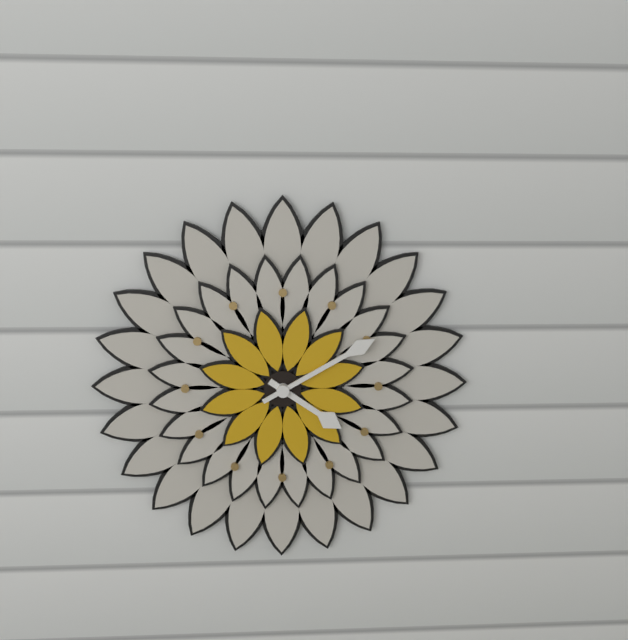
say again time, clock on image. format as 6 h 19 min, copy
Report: 4 h 10 min
